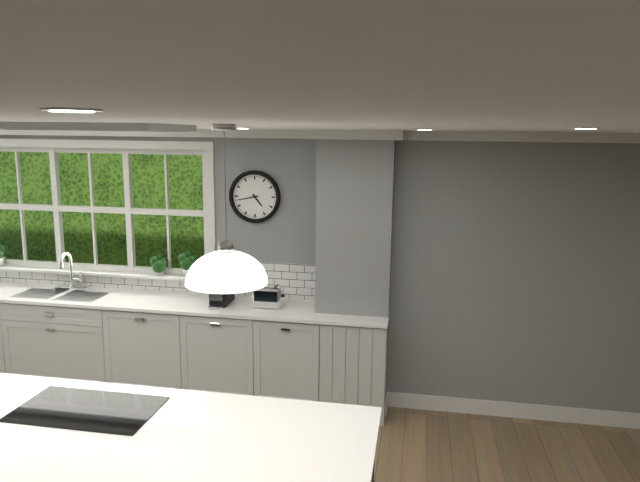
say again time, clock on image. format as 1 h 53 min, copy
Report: 4 h 43 min
